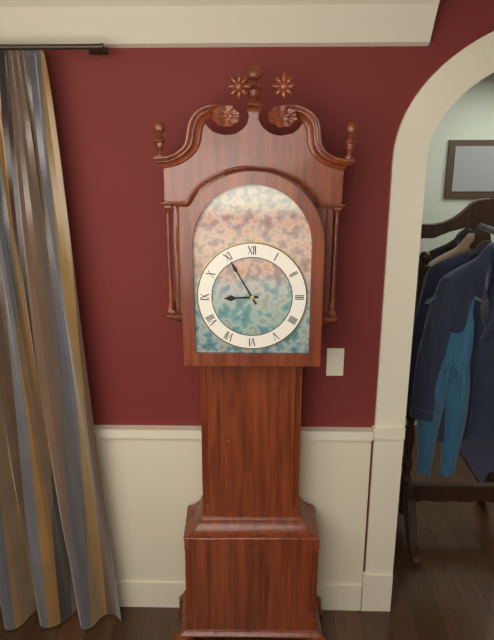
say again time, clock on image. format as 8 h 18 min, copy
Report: 8 h 55 min
